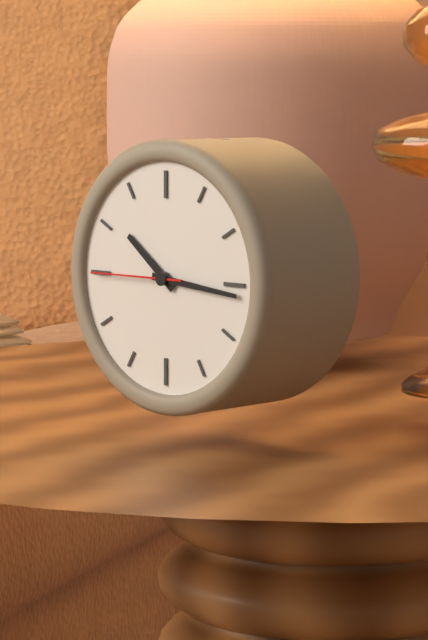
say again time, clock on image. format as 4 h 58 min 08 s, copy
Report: 10 h 16 min 45 s
